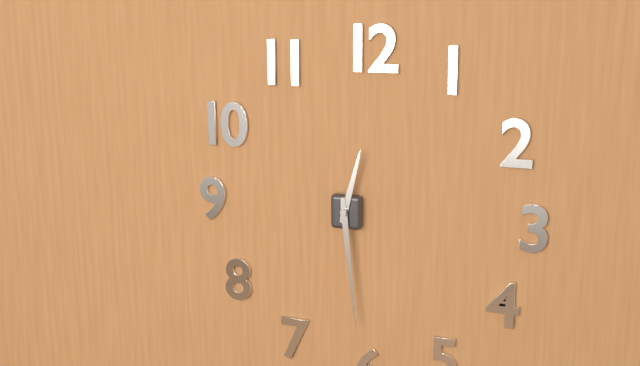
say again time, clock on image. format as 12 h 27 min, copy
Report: 12 h 29 min
